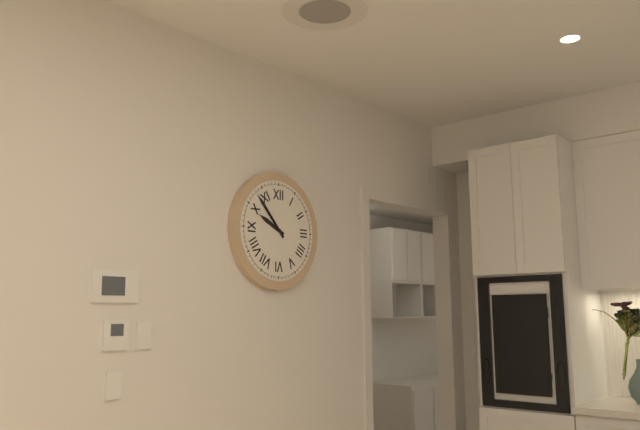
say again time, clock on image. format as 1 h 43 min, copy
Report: 9 h 53 min
